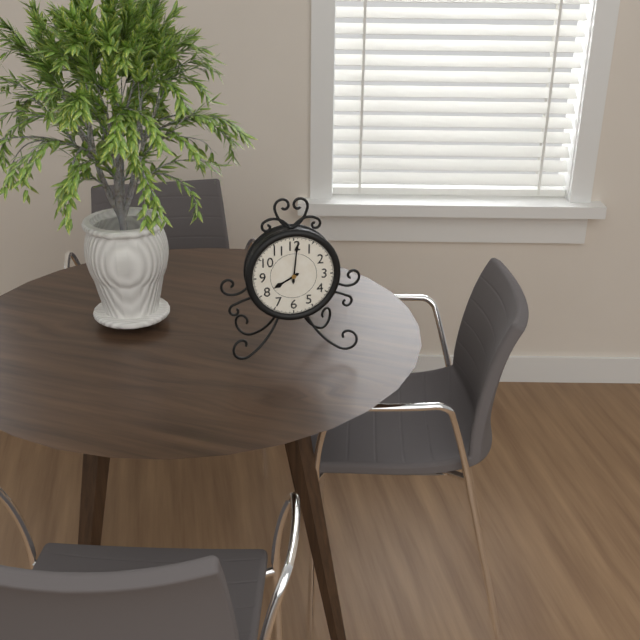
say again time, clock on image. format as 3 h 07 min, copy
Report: 8 h 01 min
